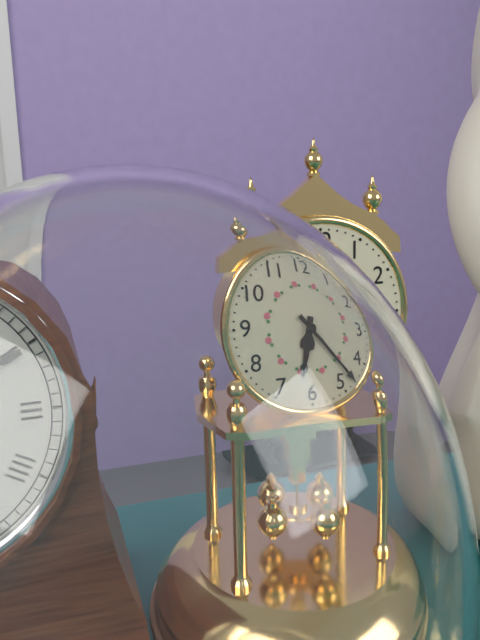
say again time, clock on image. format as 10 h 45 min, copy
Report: 6 h 23 min
